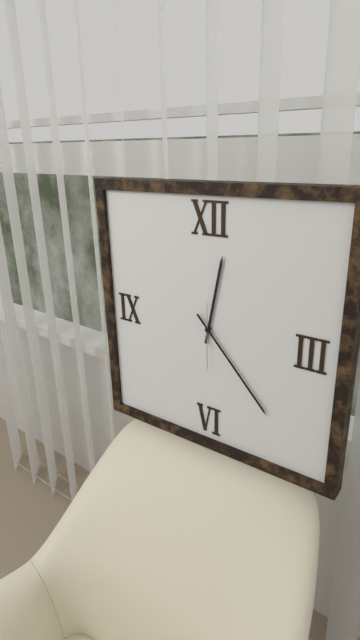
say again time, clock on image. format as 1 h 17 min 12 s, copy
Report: 12 h 23 min 30 s
